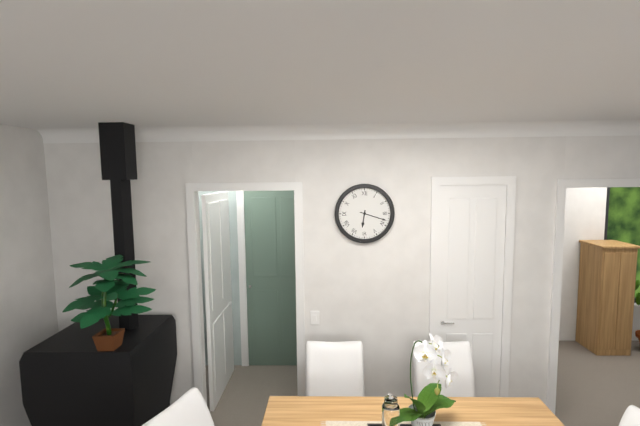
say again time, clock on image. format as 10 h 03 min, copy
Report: 6 h 18 min
